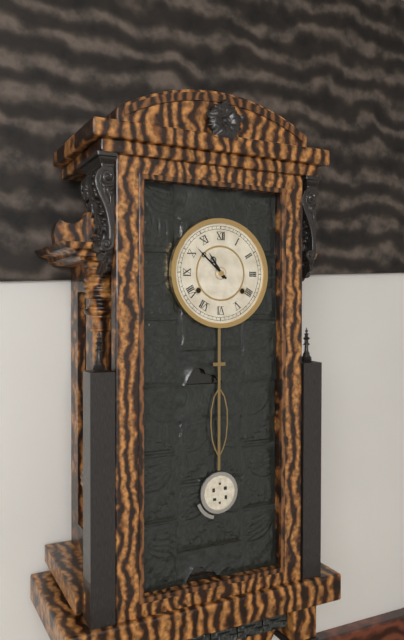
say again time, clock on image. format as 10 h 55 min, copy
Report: 10 h 52 min
